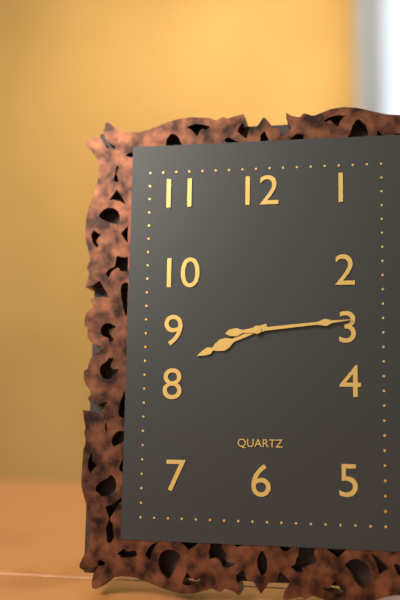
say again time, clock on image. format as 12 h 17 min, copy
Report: 8 h 14 min
